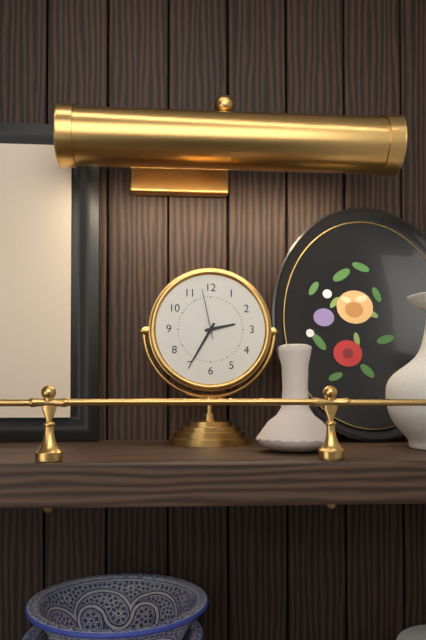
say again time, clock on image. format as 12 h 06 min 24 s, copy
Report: 2 h 35 min 58 s
